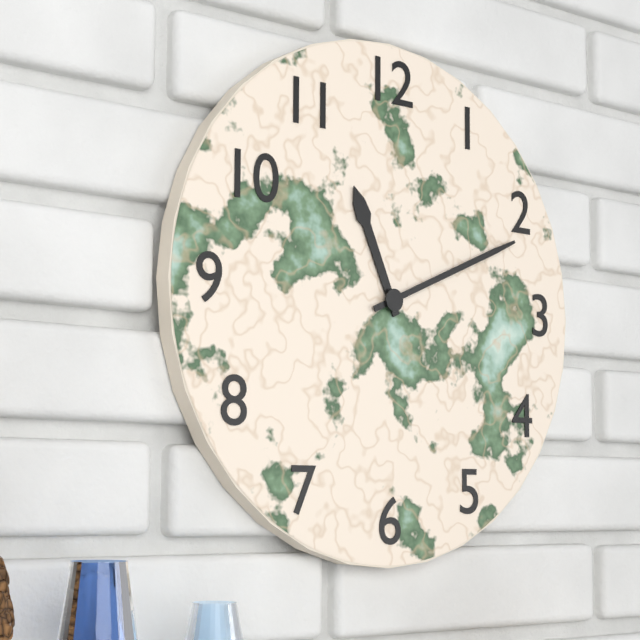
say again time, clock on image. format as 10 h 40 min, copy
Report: 11 h 11 min
